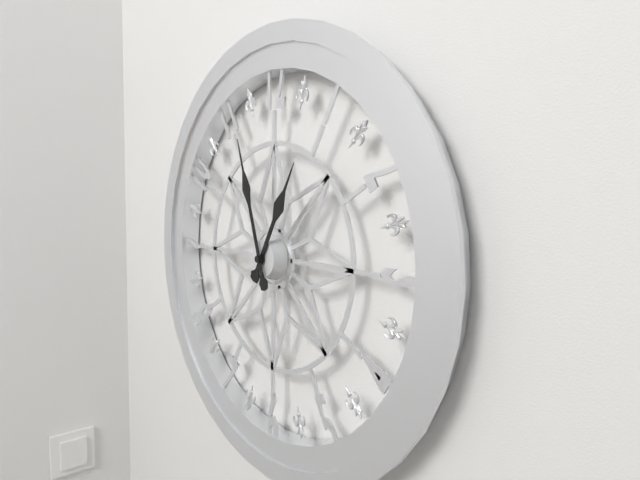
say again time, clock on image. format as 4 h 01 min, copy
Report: 12 h 57 min
